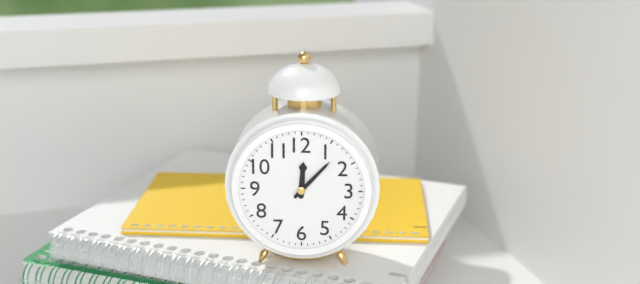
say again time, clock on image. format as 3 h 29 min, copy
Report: 12 h 07 min
